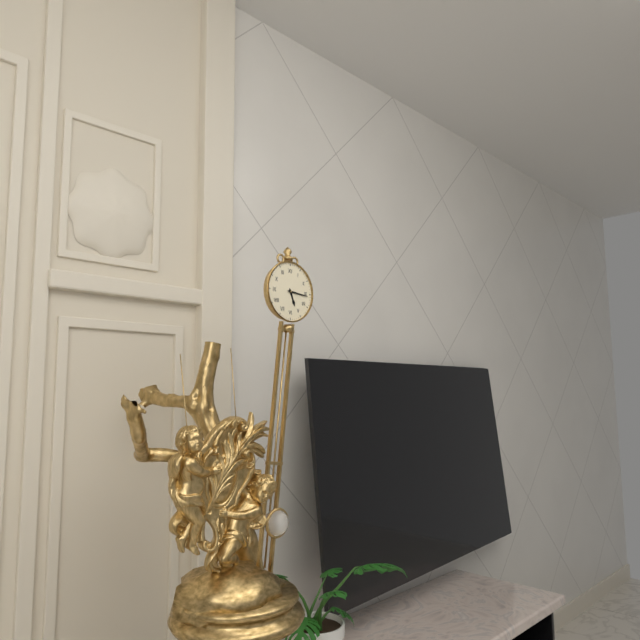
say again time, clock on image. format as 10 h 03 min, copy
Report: 5 h 16 min
